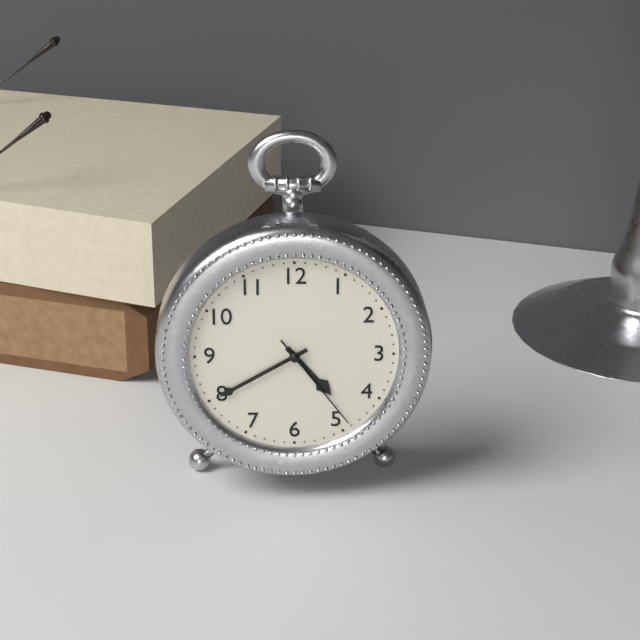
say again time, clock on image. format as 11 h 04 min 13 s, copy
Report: 4 h 40 min 24 s
